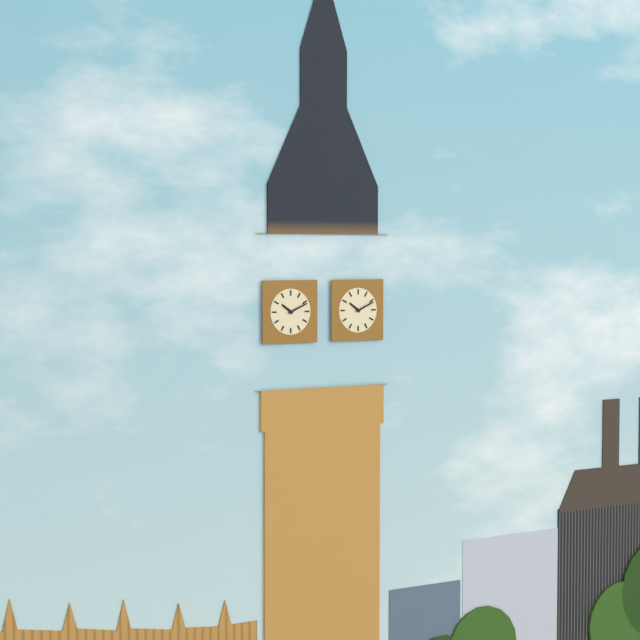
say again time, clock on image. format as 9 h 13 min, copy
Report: 10 h 11 min
